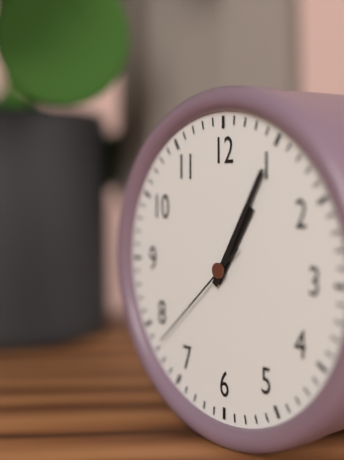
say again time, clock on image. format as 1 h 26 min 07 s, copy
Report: 1 h 05 min 38 s
